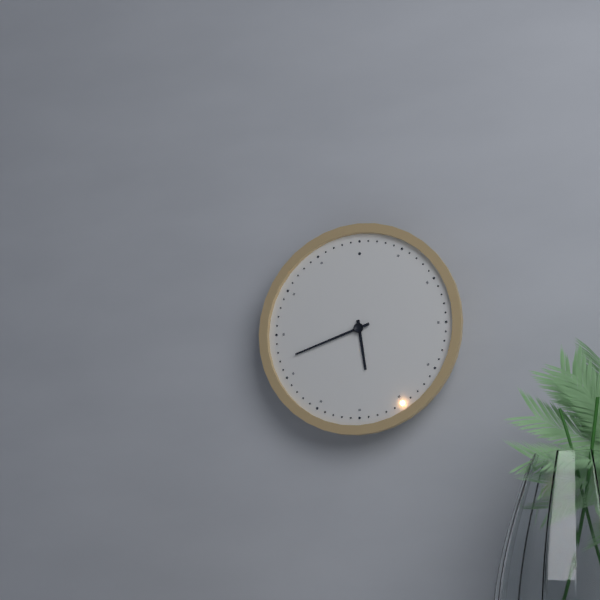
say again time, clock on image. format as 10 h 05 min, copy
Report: 5 h 42 min
